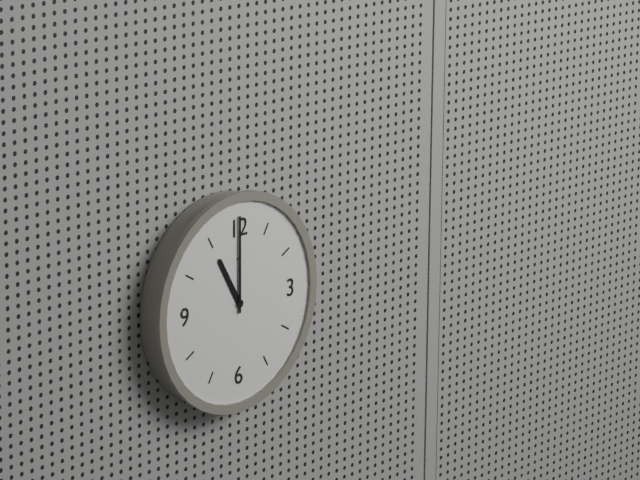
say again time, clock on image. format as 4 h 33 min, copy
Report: 11 h 00 min
